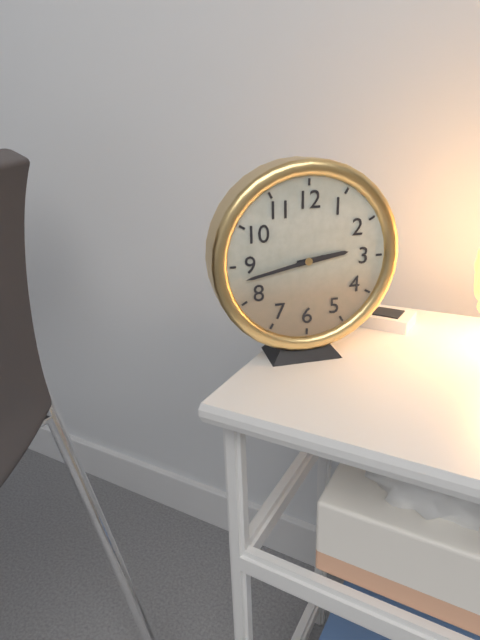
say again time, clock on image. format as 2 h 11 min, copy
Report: 2 h 43 min
